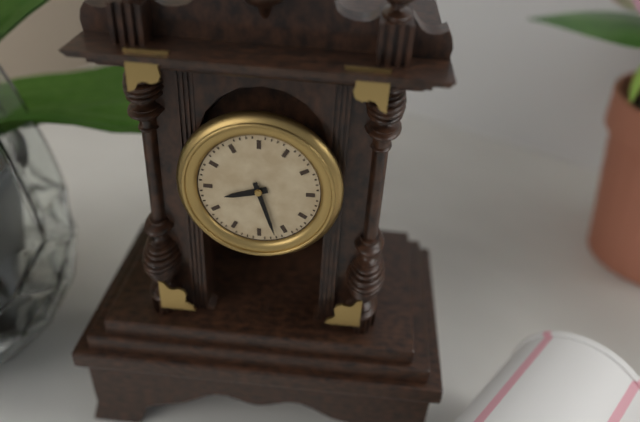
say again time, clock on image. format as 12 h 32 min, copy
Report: 8 h 27 min
